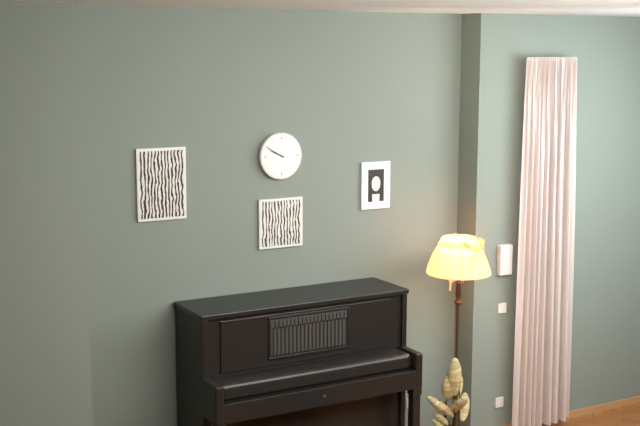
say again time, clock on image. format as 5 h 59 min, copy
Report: 9 h 50 min
